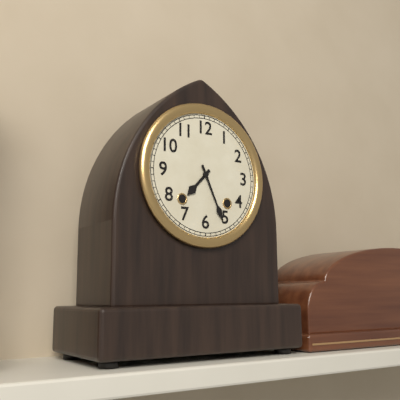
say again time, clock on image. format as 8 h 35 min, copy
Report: 7 h 26 min
